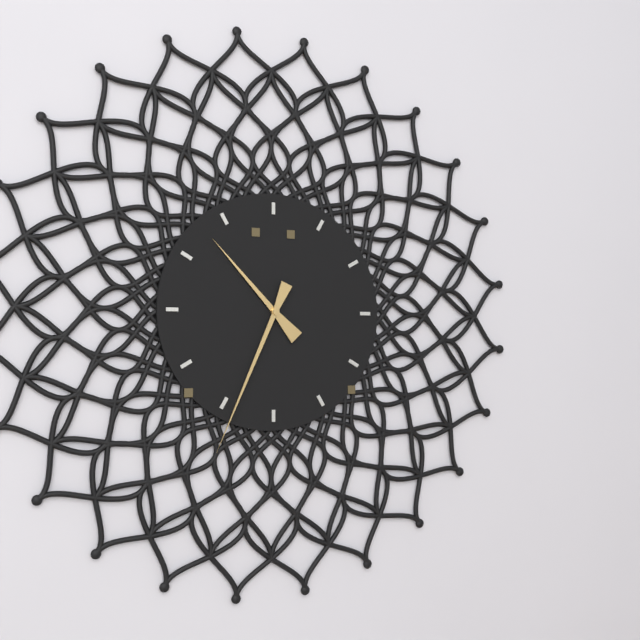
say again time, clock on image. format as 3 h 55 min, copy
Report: 10 h 34 min
